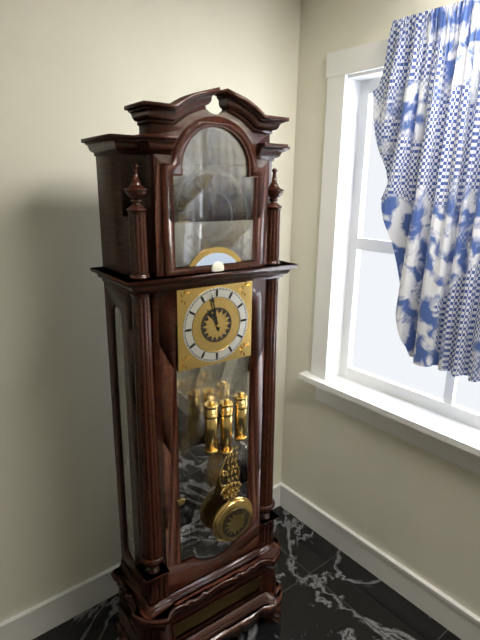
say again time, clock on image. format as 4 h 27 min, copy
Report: 10 h 58 min
